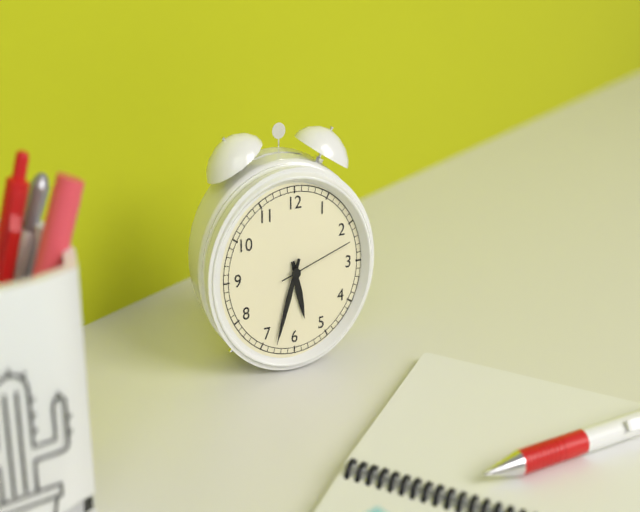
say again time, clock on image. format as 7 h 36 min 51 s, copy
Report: 5 h 33 min 12 s
